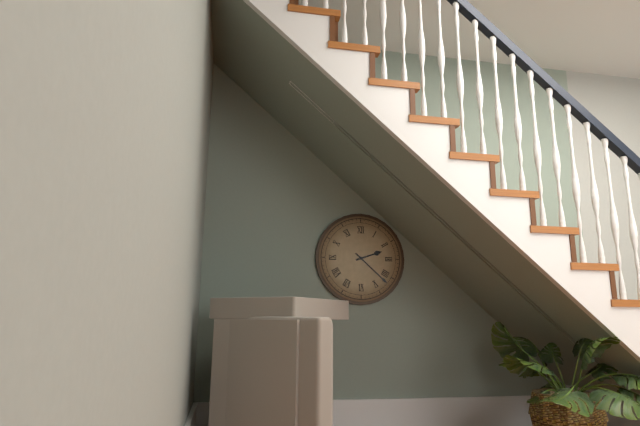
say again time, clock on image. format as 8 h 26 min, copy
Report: 2 h 22 min
